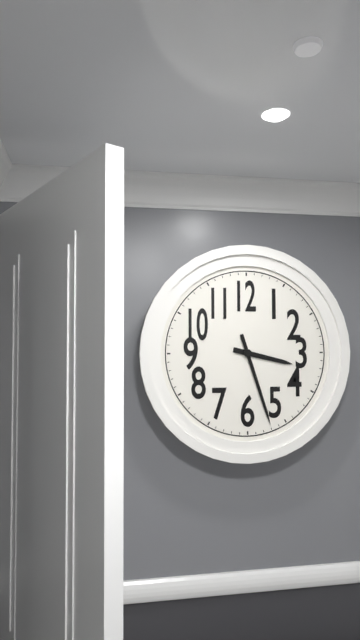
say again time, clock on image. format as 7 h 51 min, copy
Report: 3 h 27 min
